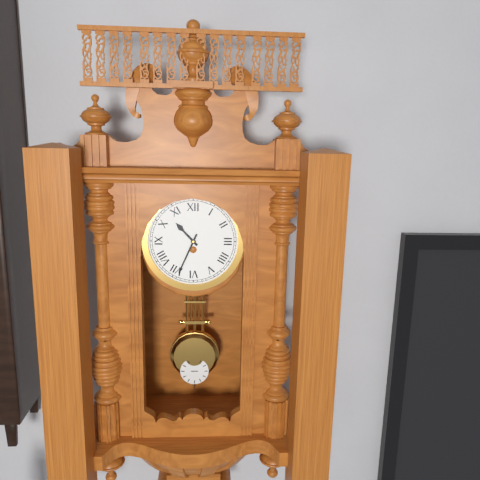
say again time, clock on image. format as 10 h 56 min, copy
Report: 10 h 34 min
